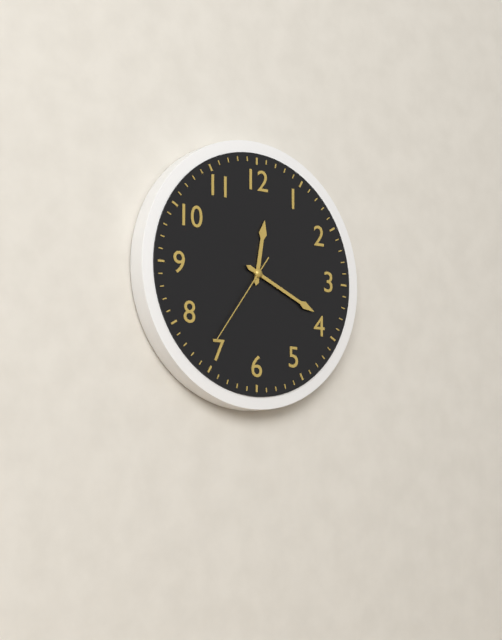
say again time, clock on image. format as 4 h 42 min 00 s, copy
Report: 12 h 19 min 36 s
